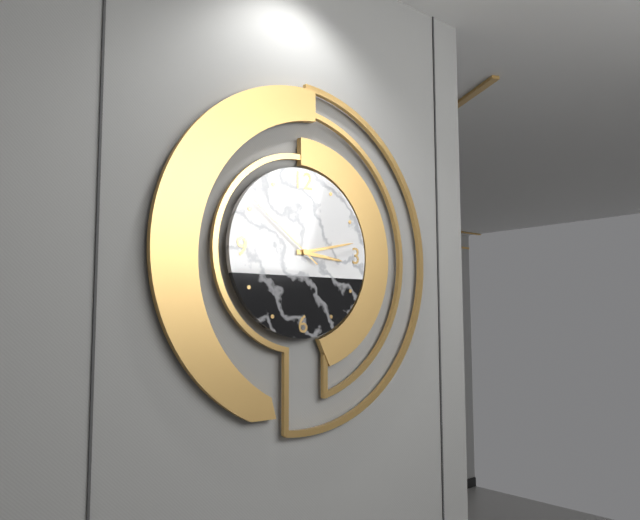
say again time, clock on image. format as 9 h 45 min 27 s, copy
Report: 3 h 13 min 51 s
